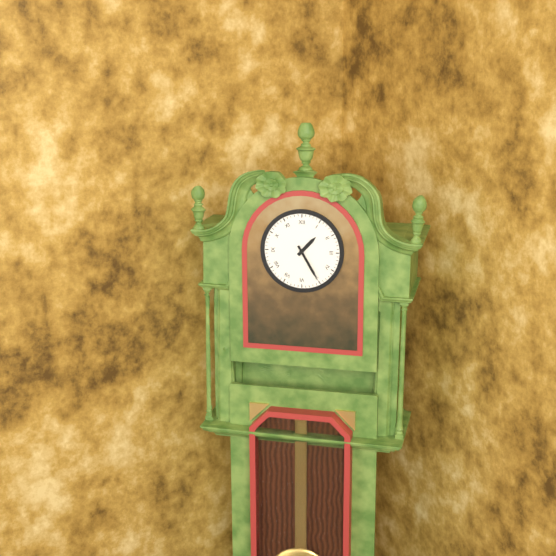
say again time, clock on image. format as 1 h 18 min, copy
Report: 1 h 25 min
